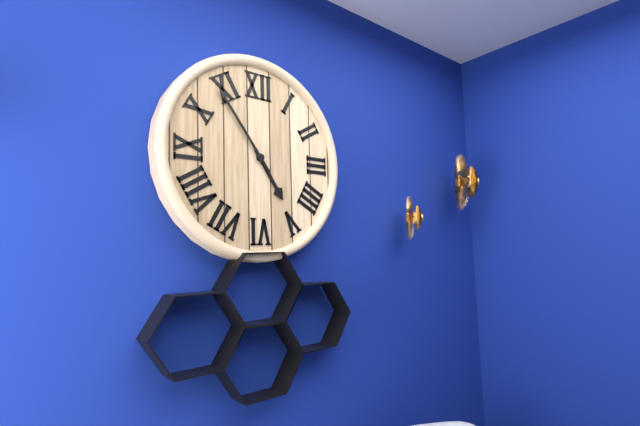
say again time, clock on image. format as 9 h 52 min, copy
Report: 4 h 54 min
